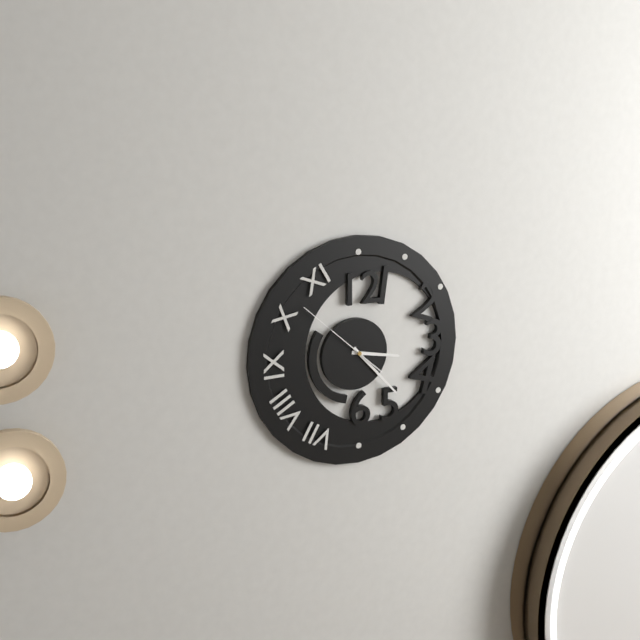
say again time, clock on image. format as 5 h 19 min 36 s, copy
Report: 3 h 23 min 52 s
